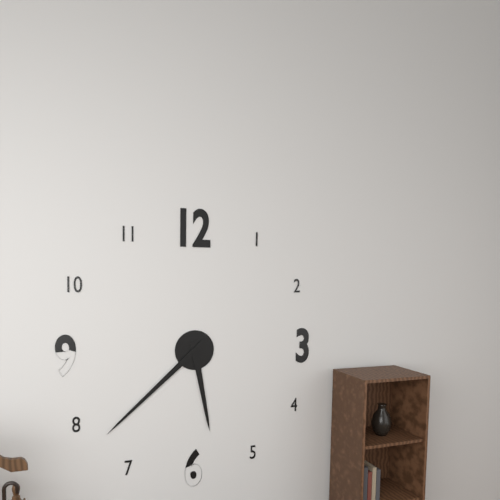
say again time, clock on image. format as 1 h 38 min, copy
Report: 5 h 38 min
